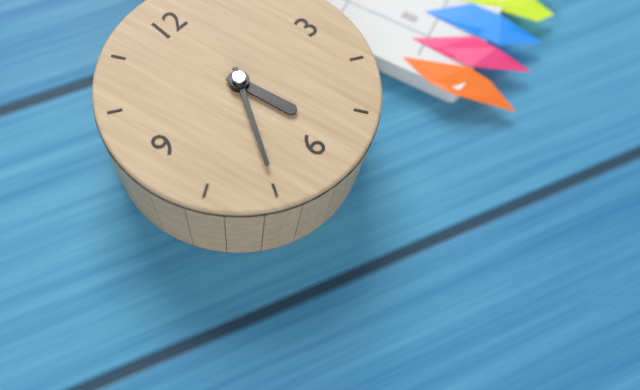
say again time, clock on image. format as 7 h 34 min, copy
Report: 5 h 35 min
